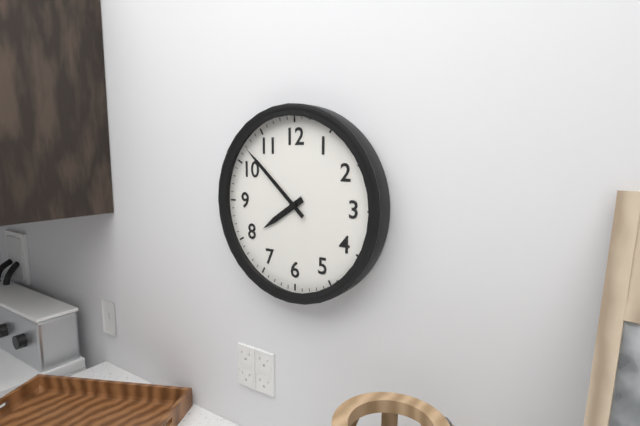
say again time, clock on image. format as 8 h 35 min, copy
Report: 7 h 52 min
